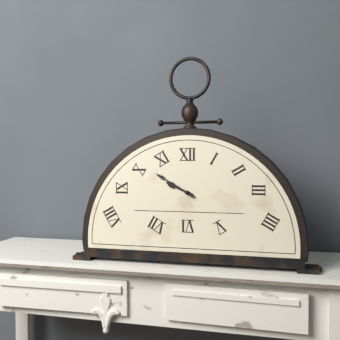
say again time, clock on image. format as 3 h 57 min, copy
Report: 9 h 50 min
